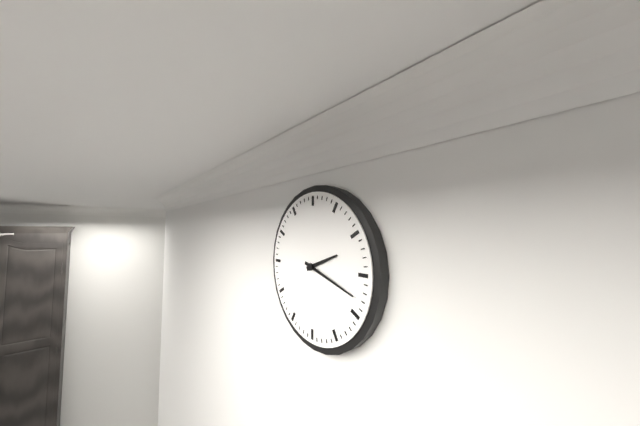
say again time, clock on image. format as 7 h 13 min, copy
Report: 2 h 18 min
